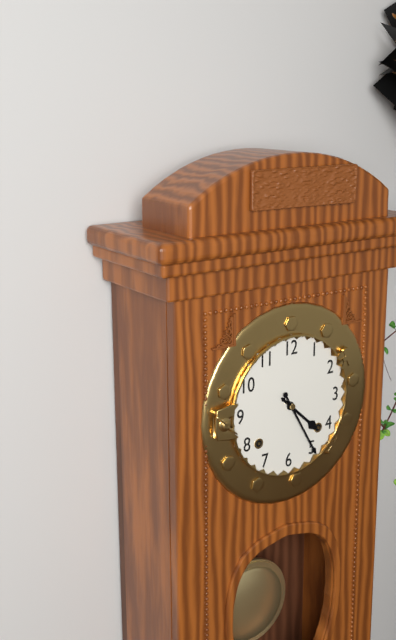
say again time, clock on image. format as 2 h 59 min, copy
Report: 4 h 25 min
